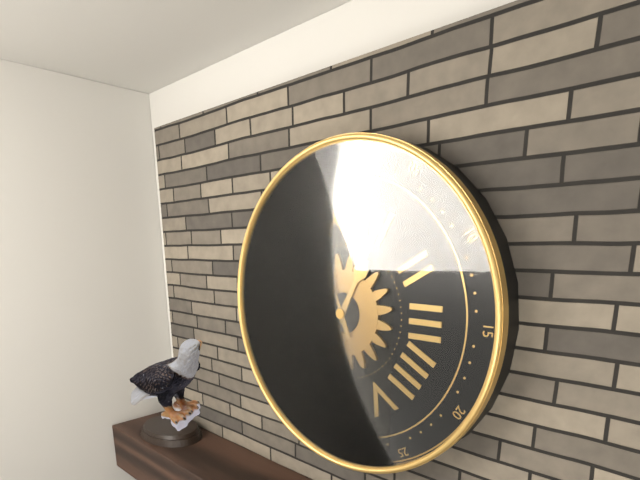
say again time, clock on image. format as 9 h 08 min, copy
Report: 12 h 56 min
